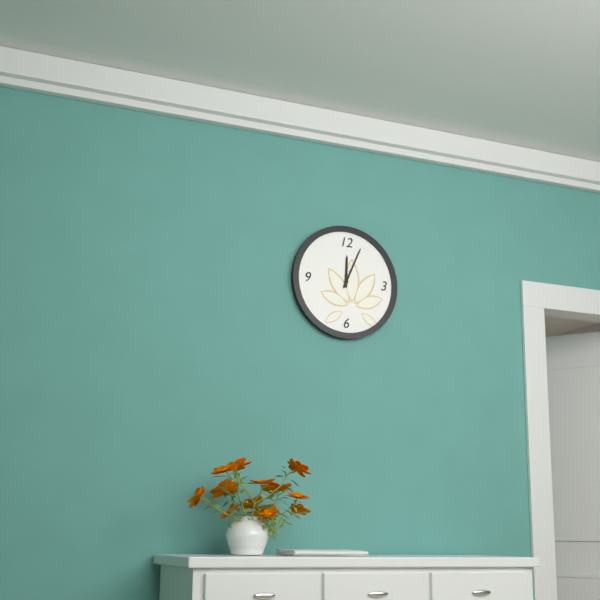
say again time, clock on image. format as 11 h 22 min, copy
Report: 12 h 04 min
